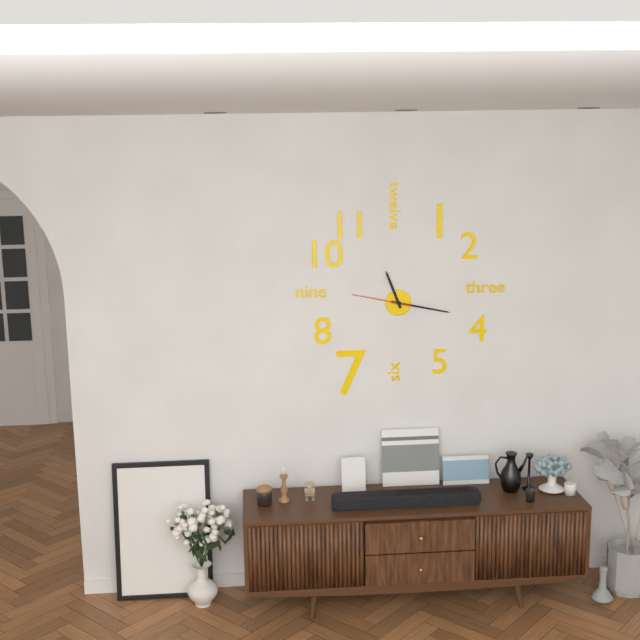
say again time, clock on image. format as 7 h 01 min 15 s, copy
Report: 11 h 17 min 47 s
